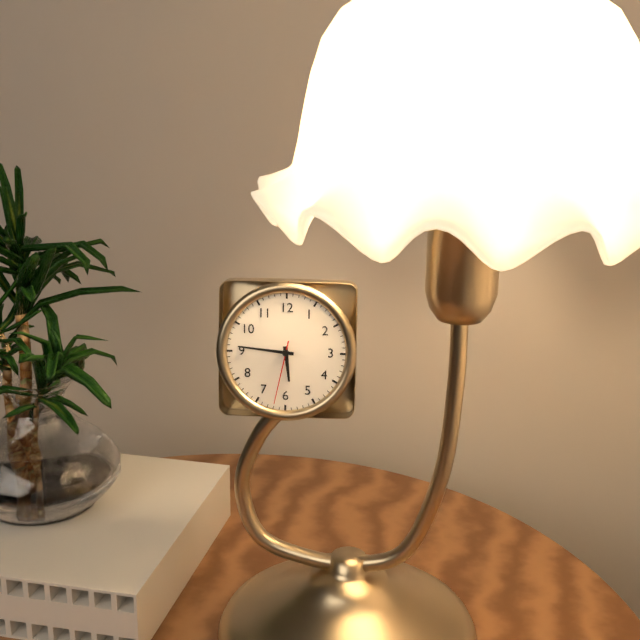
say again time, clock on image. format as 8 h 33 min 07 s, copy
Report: 5 h 46 min 32 s
